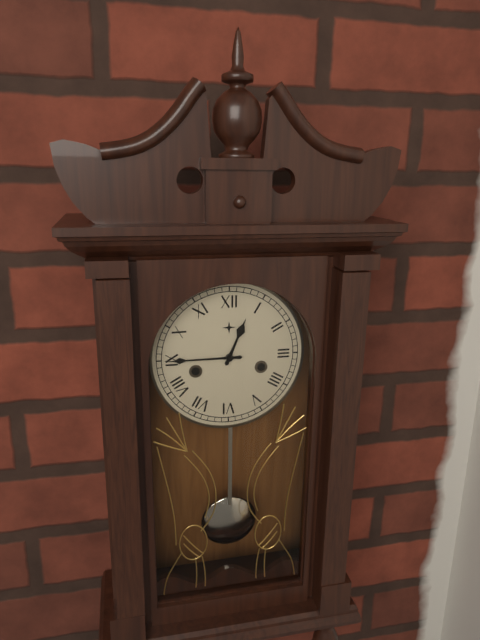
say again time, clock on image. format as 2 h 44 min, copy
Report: 12 h 45 min
